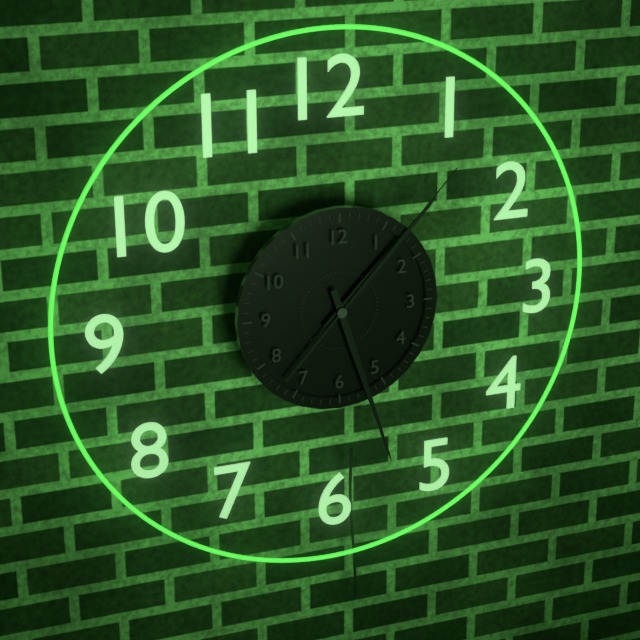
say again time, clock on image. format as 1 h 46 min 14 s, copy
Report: 1 h 27 min 07 s
